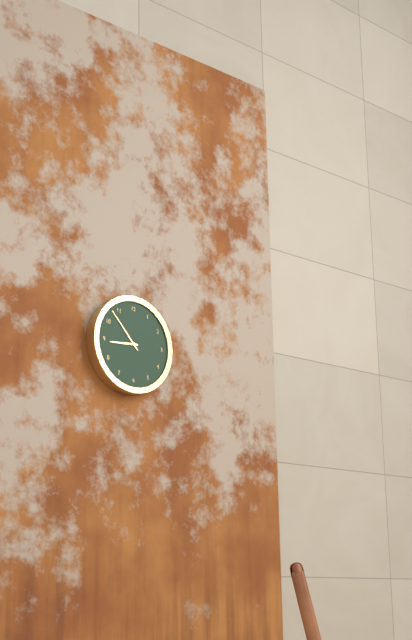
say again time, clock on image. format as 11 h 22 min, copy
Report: 8 h 53 min
